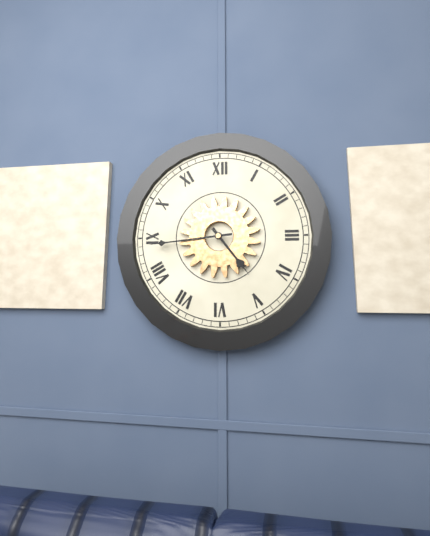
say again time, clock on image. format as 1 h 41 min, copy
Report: 4 h 44 min
